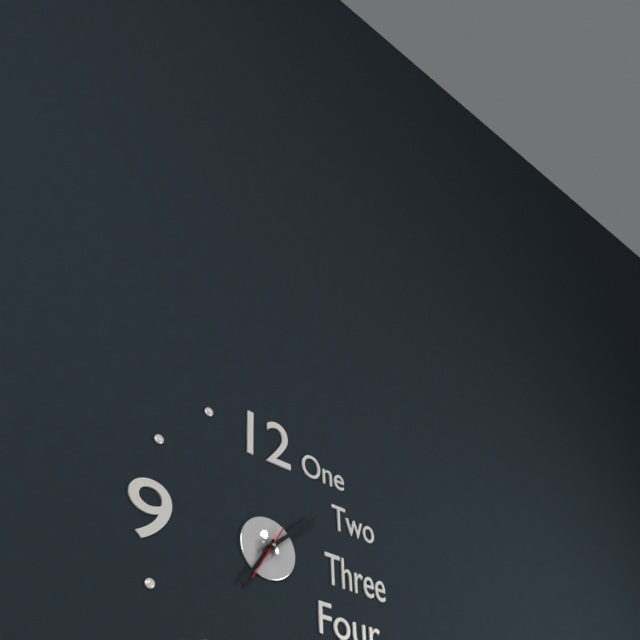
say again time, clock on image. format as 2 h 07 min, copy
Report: 7 h 08 min
